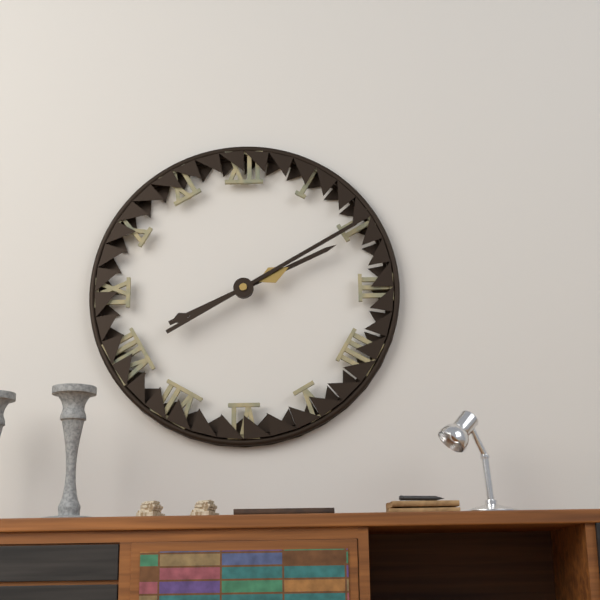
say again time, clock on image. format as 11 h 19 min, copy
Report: 2 h 10 min
